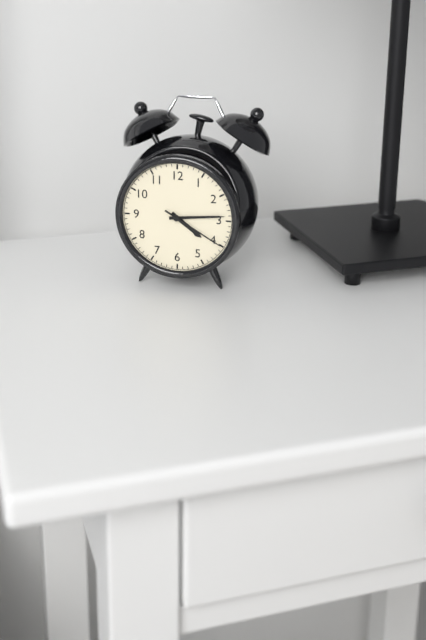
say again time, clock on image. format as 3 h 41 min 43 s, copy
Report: 4 h 14 min 20 s
